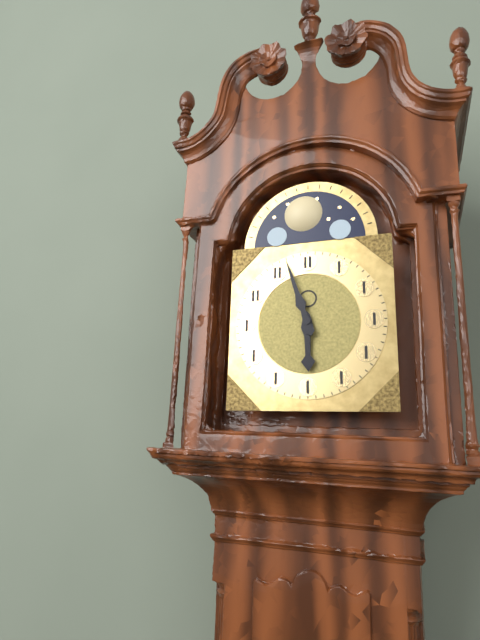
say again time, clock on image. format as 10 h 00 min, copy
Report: 5 h 57 min
